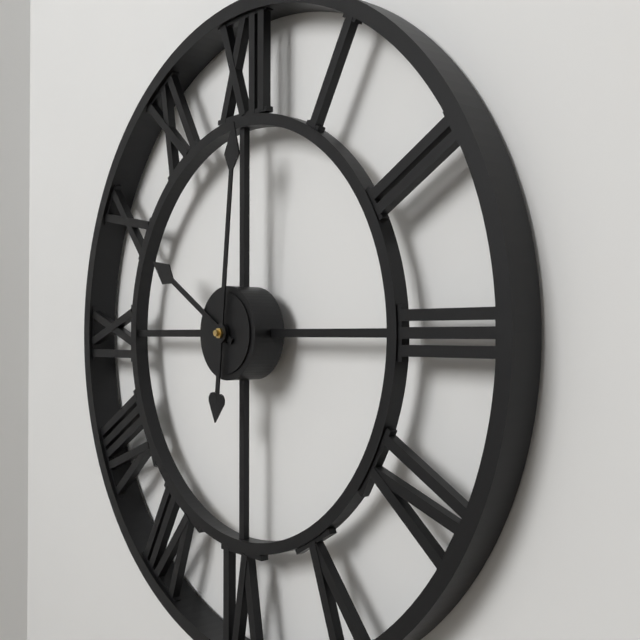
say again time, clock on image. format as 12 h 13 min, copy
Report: 10 h 01 min
